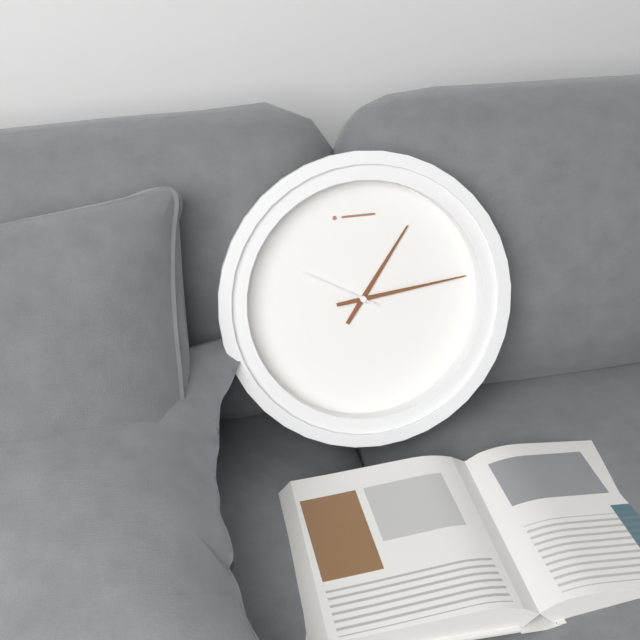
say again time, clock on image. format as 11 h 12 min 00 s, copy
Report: 1 h 14 min 50 s
